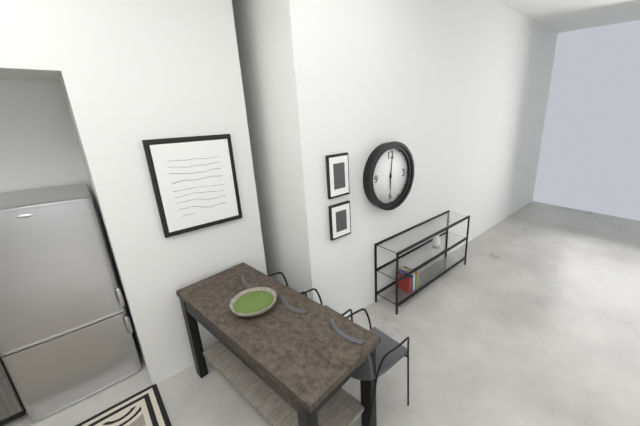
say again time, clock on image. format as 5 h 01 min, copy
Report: 6 h 01 min
